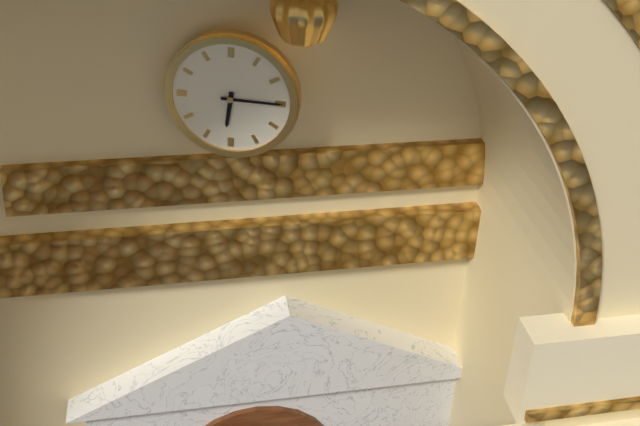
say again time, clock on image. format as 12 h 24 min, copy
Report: 6 h 15 min
